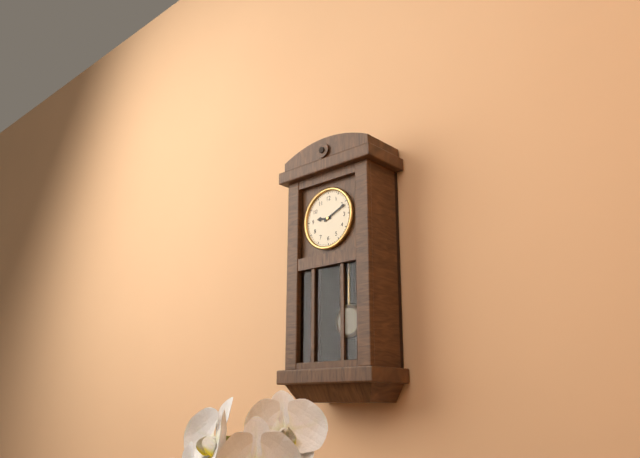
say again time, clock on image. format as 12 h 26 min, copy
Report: 9 h 11 min
